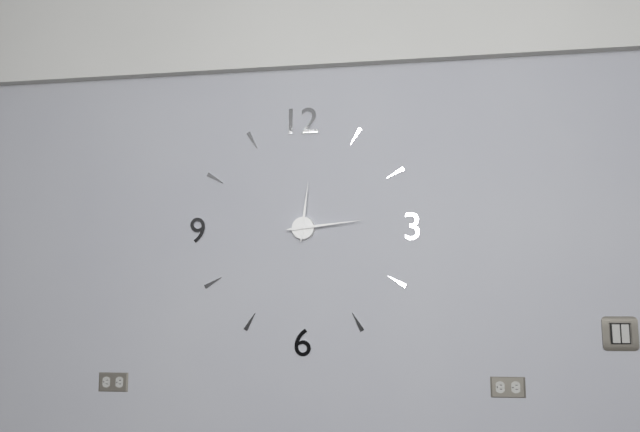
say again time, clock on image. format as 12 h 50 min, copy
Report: 12 h 14 min
